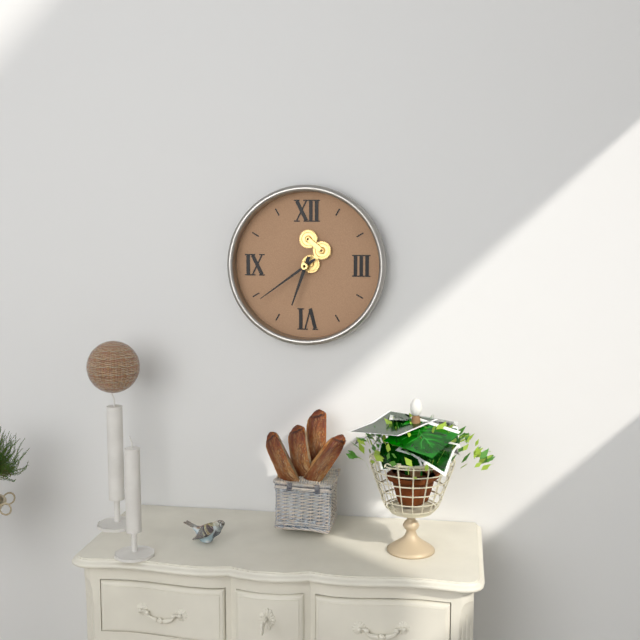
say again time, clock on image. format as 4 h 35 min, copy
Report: 6 h 39 min
